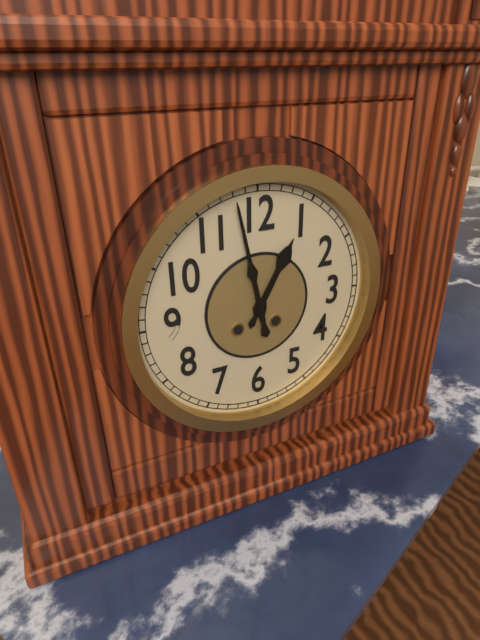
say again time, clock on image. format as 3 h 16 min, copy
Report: 12 h 58 min
